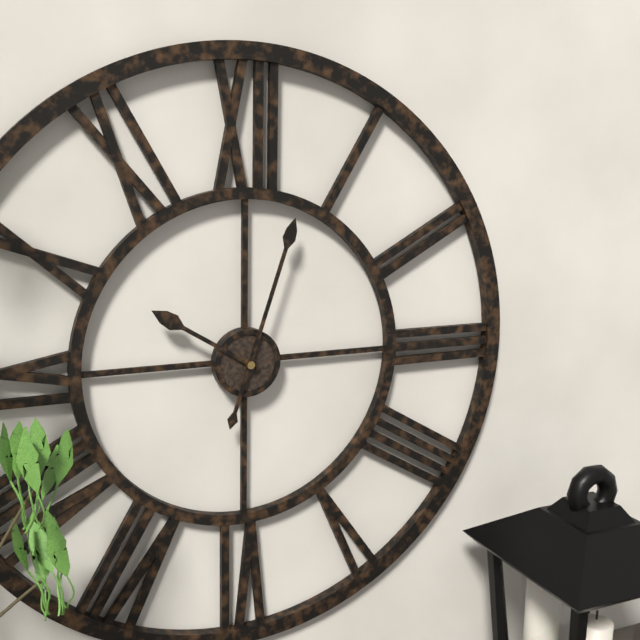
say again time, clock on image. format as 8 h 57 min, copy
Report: 10 h 03 min
